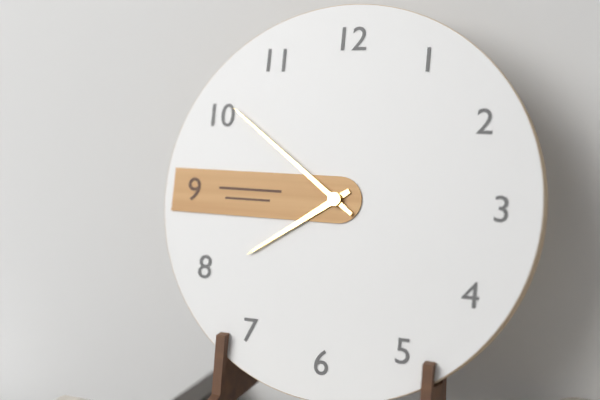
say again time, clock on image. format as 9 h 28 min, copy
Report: 7 h 51 min
